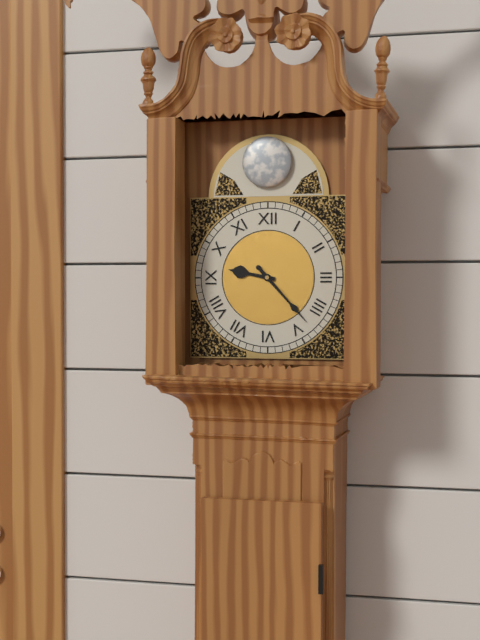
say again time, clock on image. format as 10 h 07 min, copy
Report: 9 h 23 min
